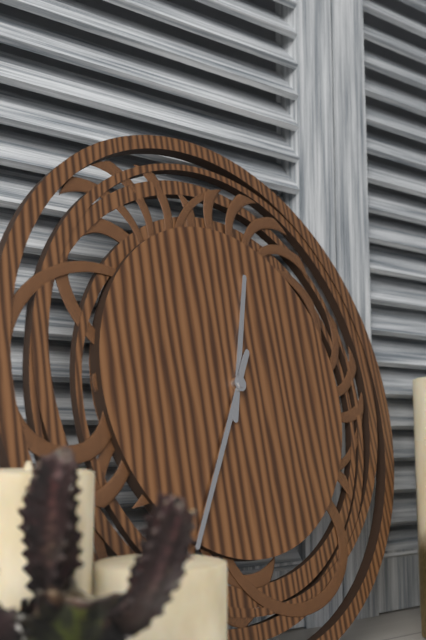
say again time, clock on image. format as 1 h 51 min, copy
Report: 12 h 35 min
